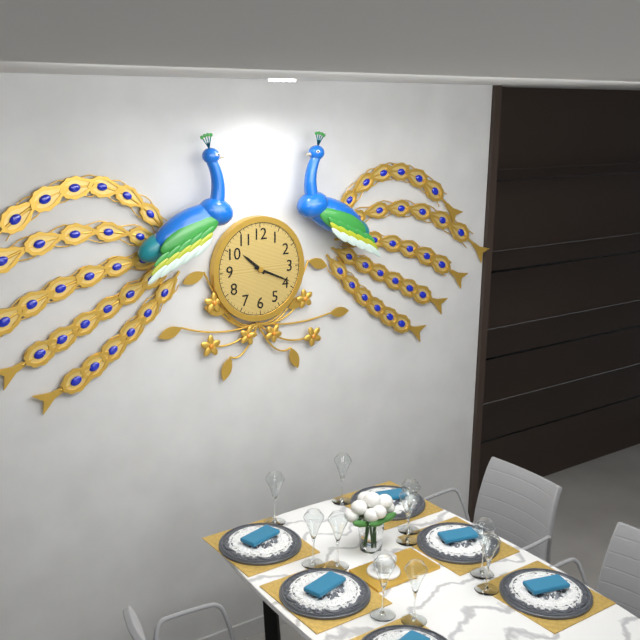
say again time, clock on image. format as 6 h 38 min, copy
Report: 10 h 19 min
